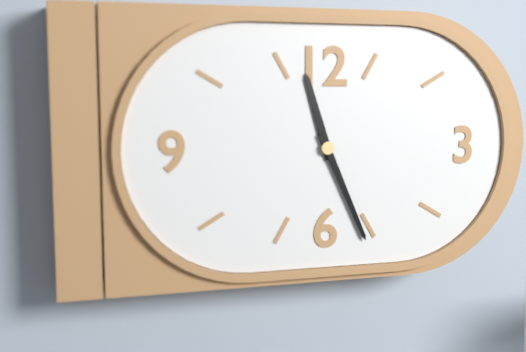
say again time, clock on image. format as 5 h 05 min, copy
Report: 11 h 26 min
